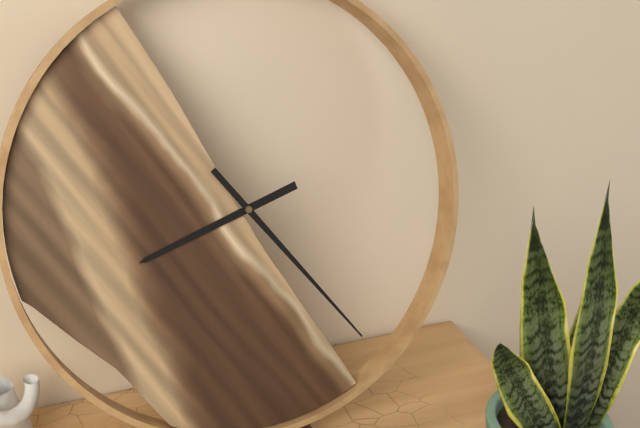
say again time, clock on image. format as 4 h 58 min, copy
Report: 8 h 24 min
